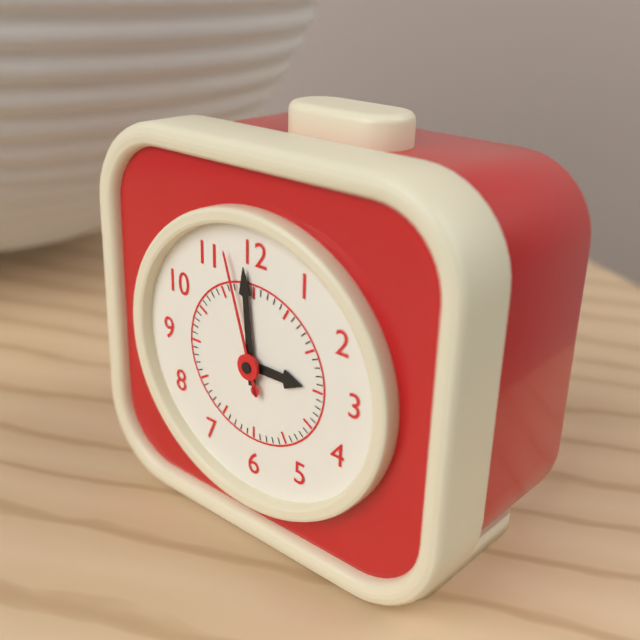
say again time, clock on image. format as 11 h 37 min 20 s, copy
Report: 2 h 59 min 57 s
